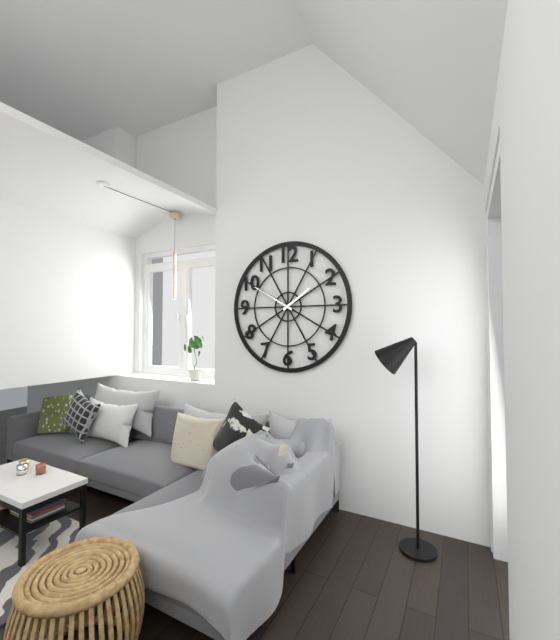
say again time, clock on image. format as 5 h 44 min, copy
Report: 1 h 50 min
